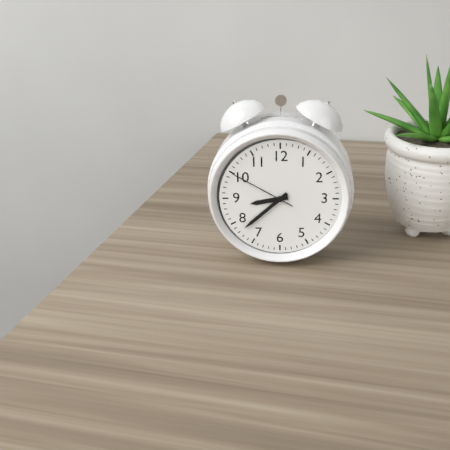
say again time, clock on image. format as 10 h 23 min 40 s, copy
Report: 8 h 38 min 50 s
